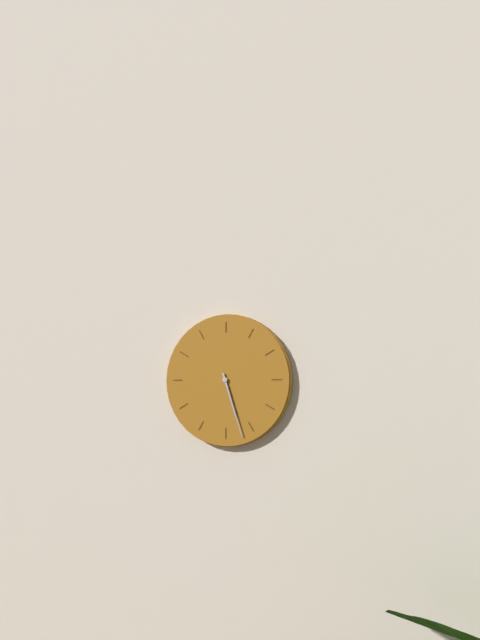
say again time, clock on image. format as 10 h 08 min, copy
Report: 5 h 27 min
